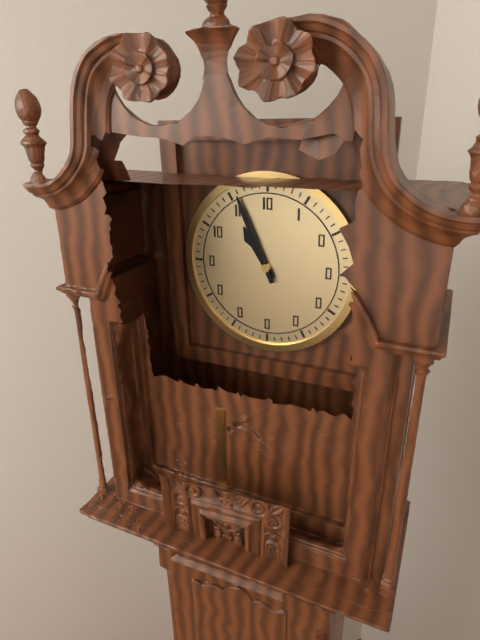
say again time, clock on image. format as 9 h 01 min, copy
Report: 10 h 56 min
